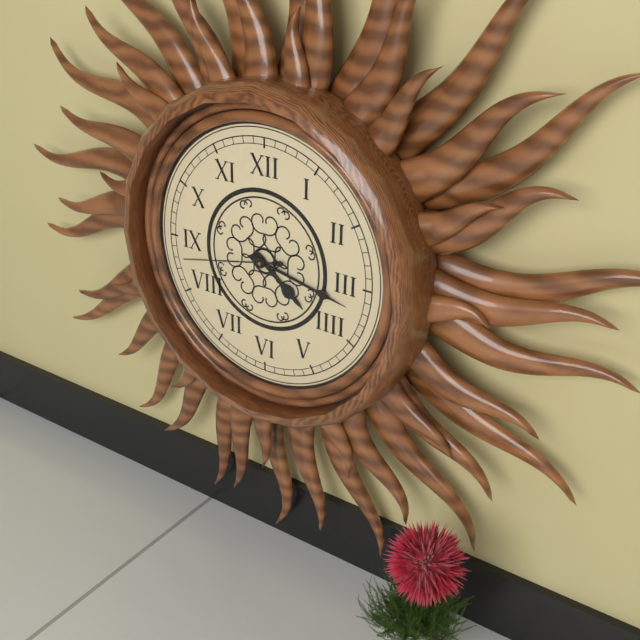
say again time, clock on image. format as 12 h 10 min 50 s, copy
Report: 4 h 17 min 43 s
